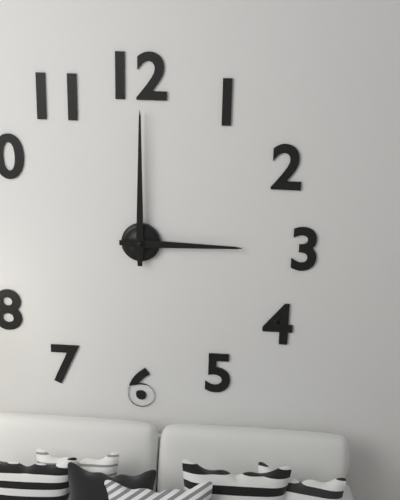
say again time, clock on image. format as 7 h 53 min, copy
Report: 3 h 00 min
